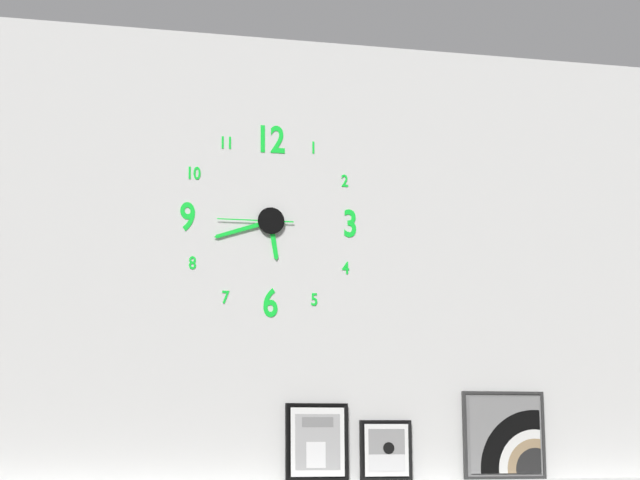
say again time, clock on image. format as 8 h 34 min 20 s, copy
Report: 5 h 42 min 45 s
